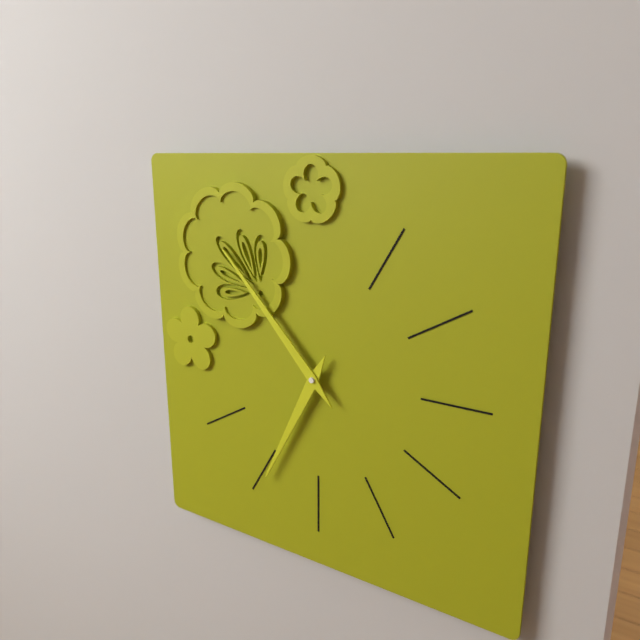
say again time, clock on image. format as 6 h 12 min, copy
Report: 6 h 53 min
